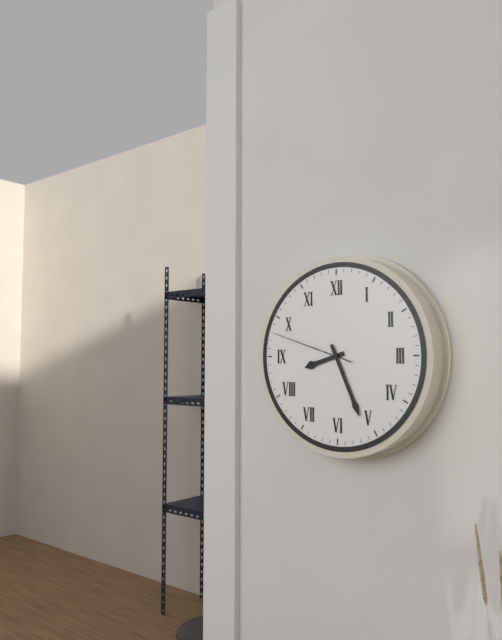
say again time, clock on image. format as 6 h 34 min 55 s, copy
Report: 8 h 26 min 48 s
